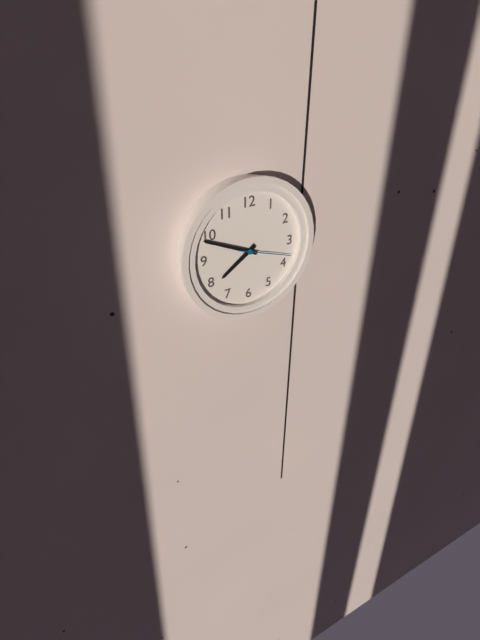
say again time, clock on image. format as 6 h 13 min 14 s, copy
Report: 7 h 49 min 18 s
